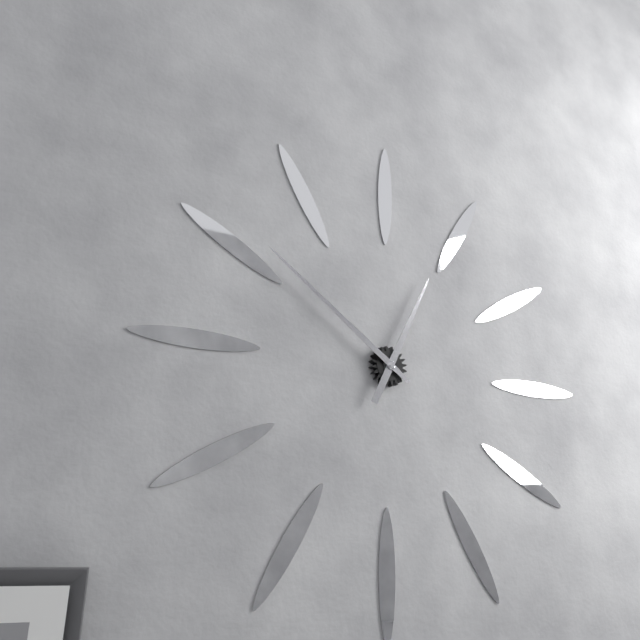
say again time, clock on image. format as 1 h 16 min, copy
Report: 12 h 51 min
